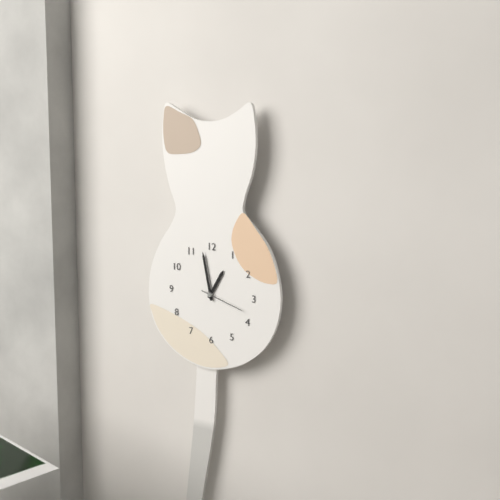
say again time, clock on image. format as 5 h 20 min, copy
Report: 12 h 58 min
